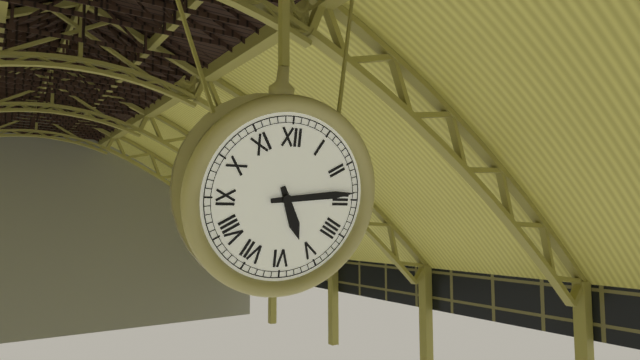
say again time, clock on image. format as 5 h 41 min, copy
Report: 5 h 14 min
